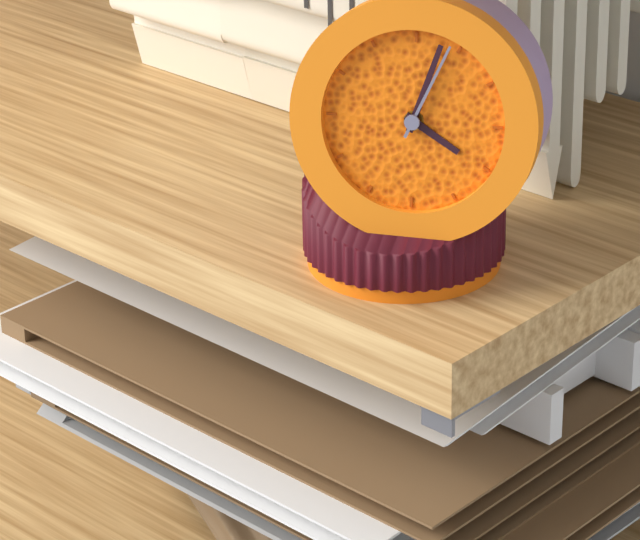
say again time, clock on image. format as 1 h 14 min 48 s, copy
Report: 4 h 03 min 04 s
